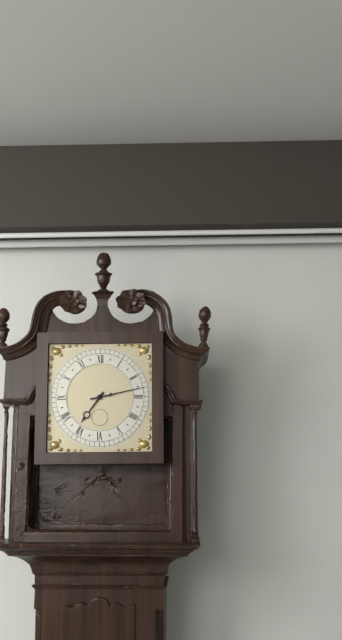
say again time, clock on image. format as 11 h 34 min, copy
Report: 7 h 13 min
